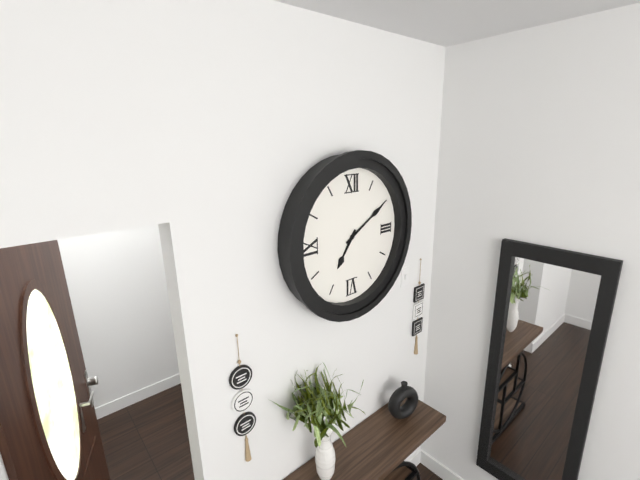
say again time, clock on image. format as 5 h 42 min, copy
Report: 7 h 10 min
